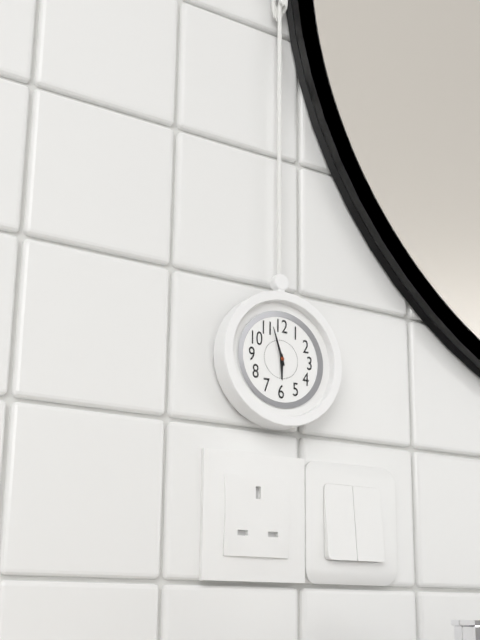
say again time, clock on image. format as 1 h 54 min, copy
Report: 5 h 57 min
